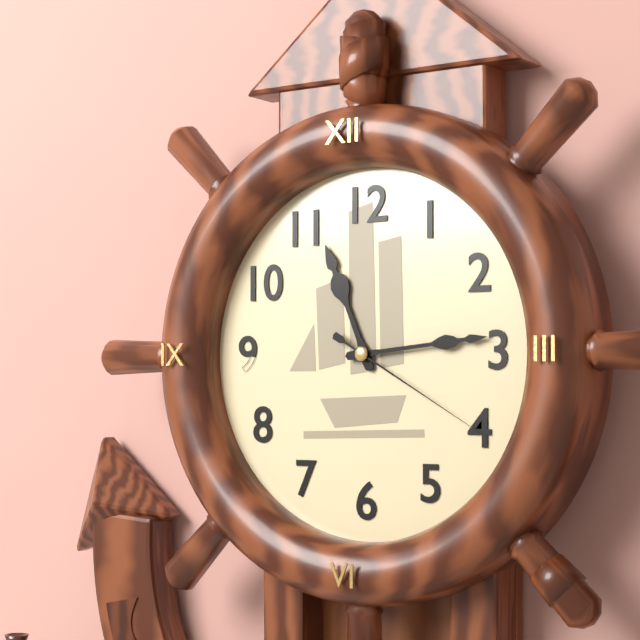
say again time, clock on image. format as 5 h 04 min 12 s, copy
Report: 11 h 14 min 20 s
